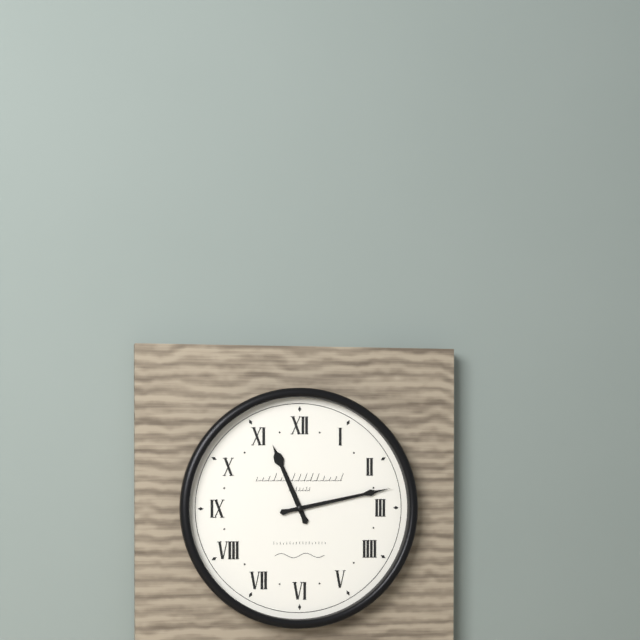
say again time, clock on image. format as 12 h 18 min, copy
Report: 11 h 13 min
